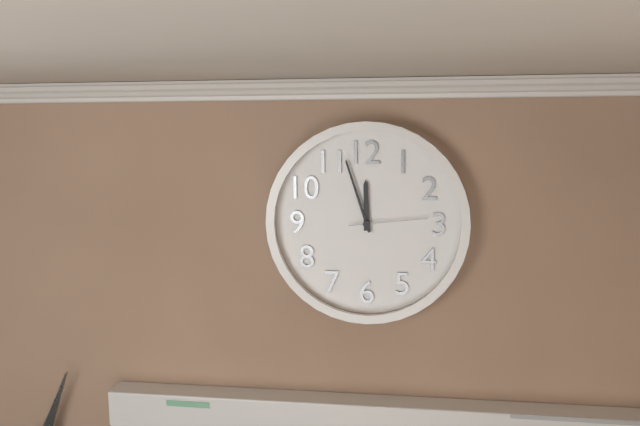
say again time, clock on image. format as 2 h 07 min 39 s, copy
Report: 11 h 57 min 14 s
